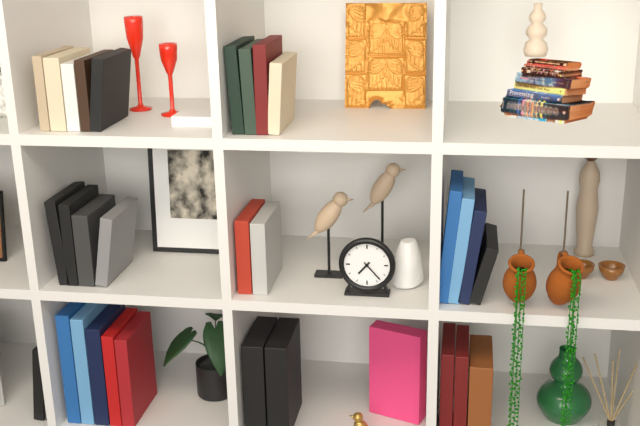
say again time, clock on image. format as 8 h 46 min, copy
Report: 7 h 23 min
